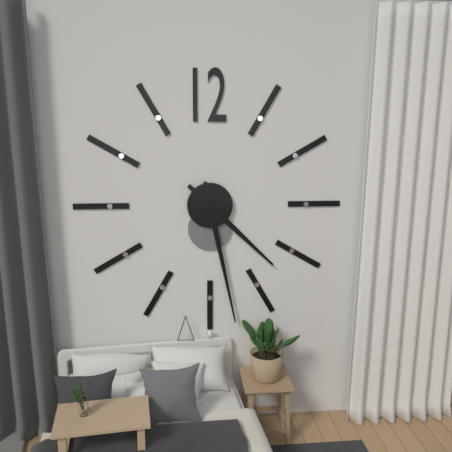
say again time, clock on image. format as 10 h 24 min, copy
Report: 4 h 28 min
